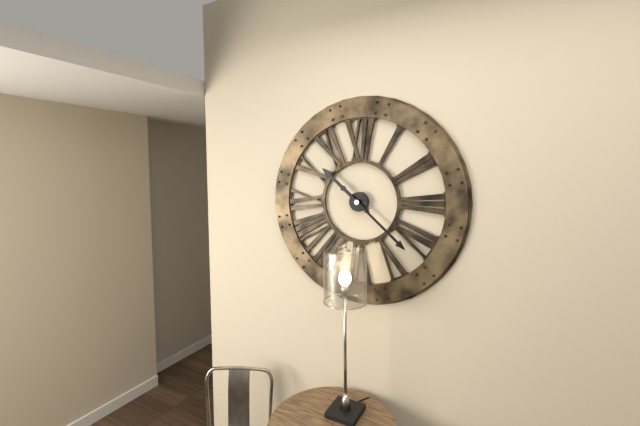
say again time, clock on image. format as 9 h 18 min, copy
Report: 10 h 22 min
